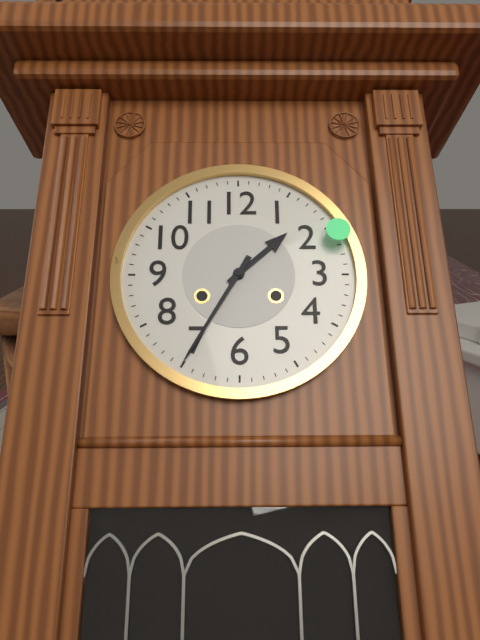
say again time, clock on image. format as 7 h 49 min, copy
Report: 1 h 35 min
